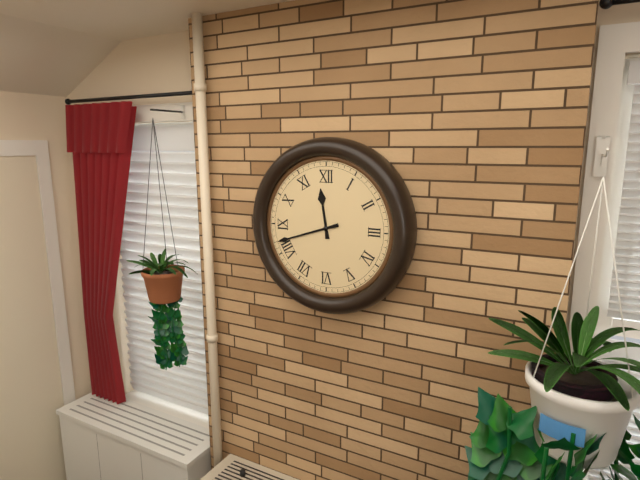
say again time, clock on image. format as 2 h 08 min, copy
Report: 11 h 42 min
